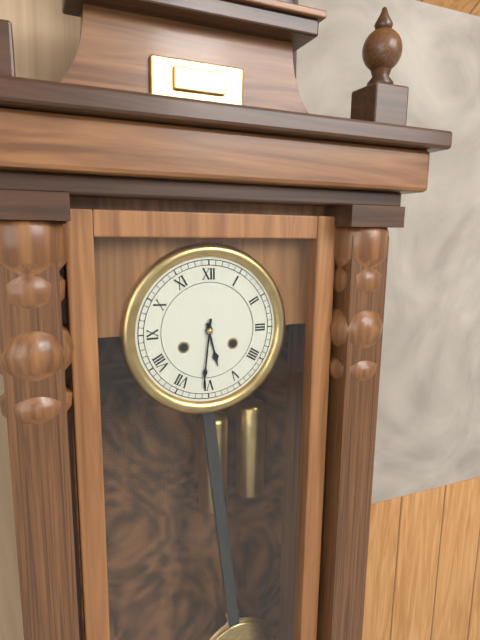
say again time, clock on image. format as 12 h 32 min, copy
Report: 5 h 31 min
